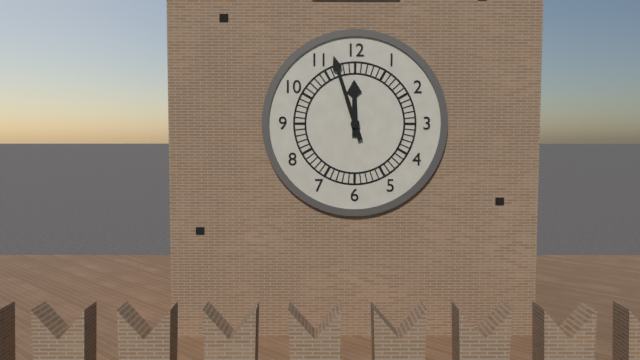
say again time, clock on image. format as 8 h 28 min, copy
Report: 11 h 57 min
